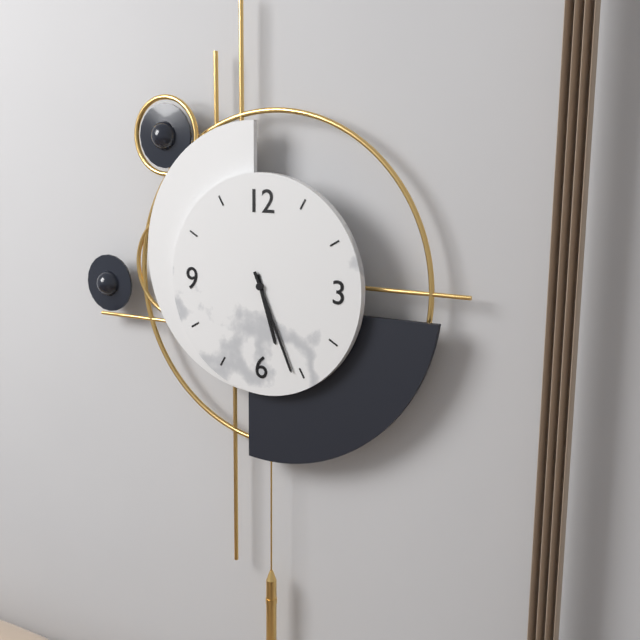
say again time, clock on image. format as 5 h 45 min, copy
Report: 5 h 26 min
